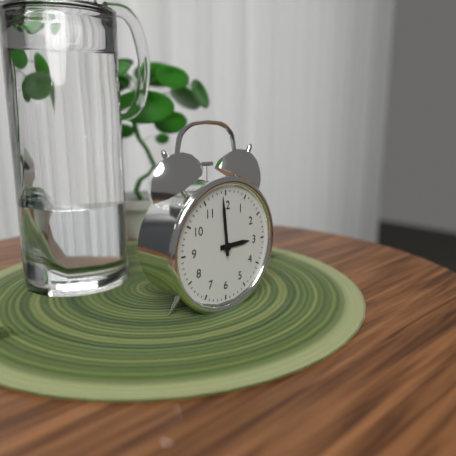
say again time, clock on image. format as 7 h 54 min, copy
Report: 2 h 59 min
